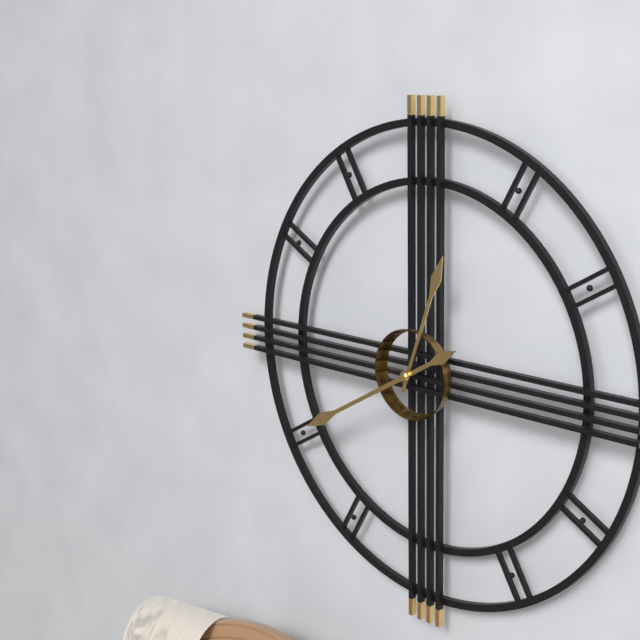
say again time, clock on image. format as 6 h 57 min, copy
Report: 12 h 40 min
